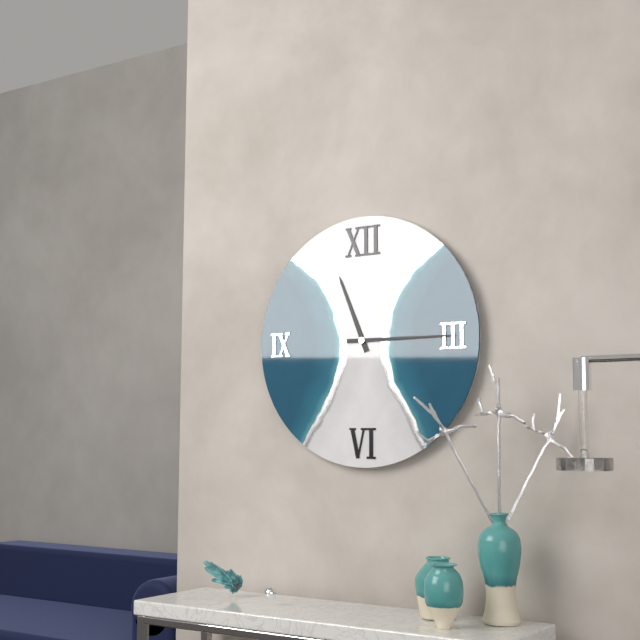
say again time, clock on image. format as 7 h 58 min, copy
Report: 11 h 15 min
